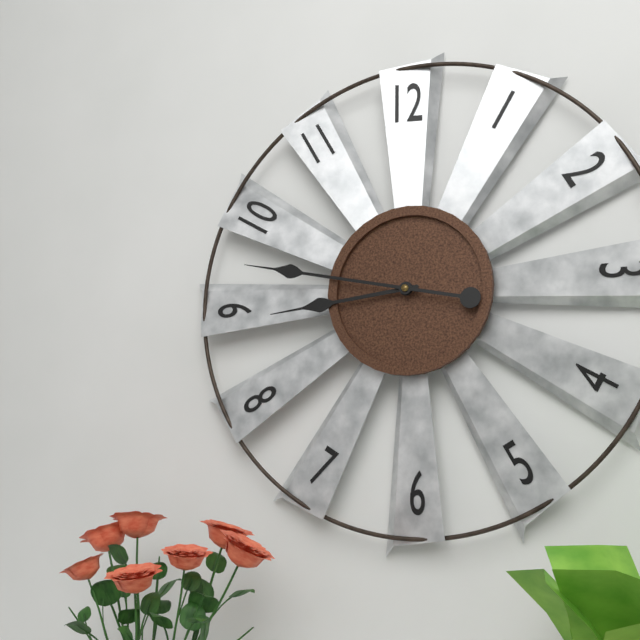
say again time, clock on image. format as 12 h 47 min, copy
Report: 8 h 47 min
